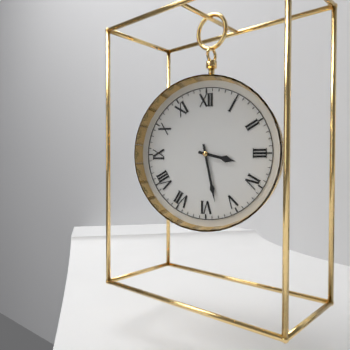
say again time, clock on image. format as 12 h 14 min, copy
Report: 3 h 28 min
